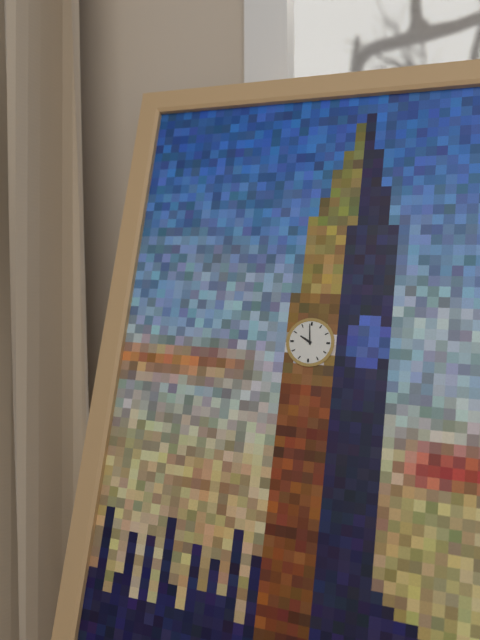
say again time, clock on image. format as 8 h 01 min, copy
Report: 9 h 59 min
